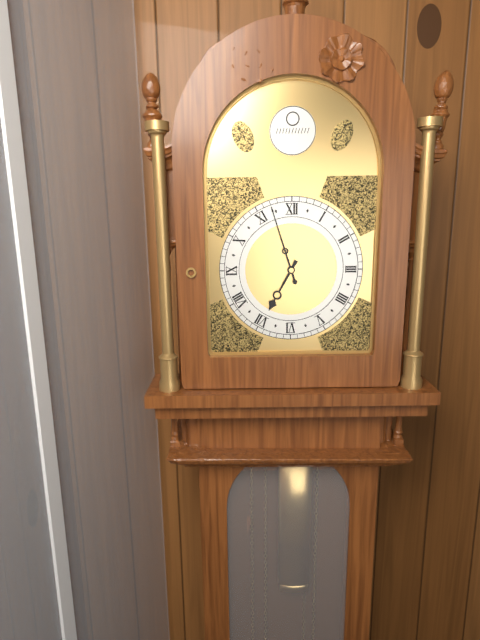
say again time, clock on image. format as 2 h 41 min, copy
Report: 6 h 57 min
